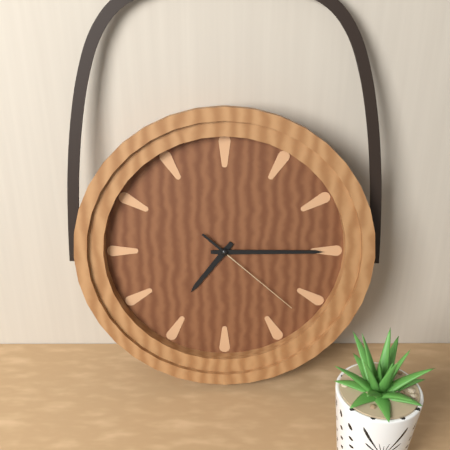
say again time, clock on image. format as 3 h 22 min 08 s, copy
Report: 7 h 15 min 22 s
